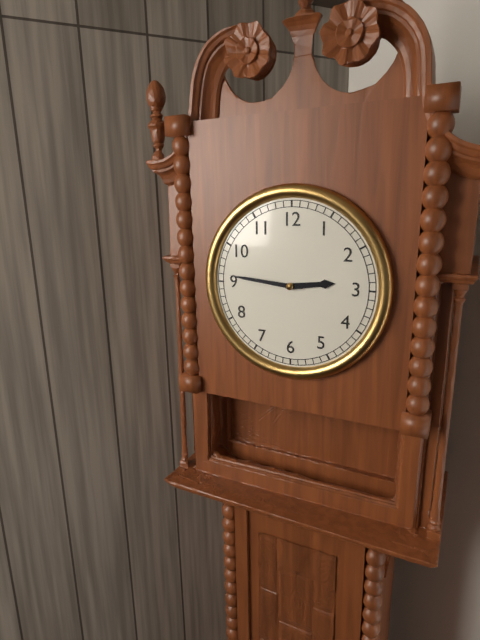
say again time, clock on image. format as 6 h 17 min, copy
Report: 2 h 46 min
